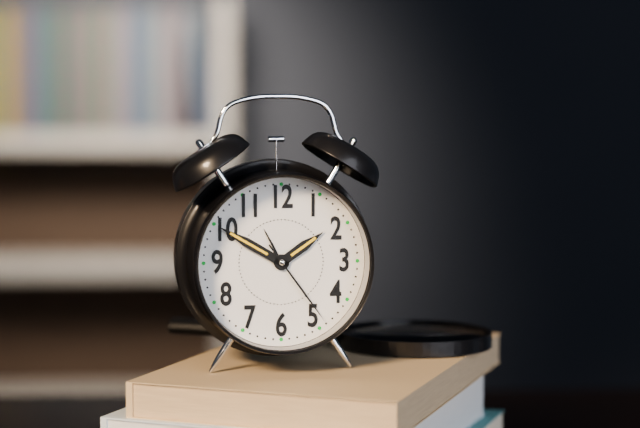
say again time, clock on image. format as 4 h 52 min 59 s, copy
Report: 1 h 50 min 24 s
